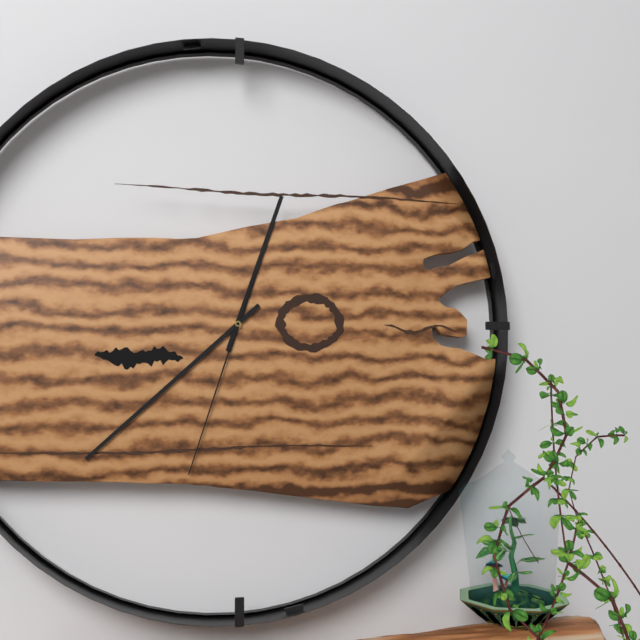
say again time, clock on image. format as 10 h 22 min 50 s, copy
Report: 12 h 38 min 33 s
